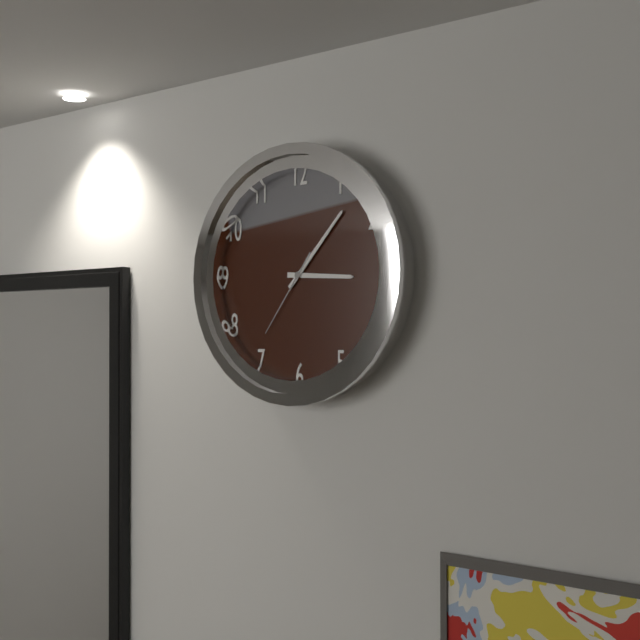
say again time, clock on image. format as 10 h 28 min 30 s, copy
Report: 3 h 07 min 36 s
